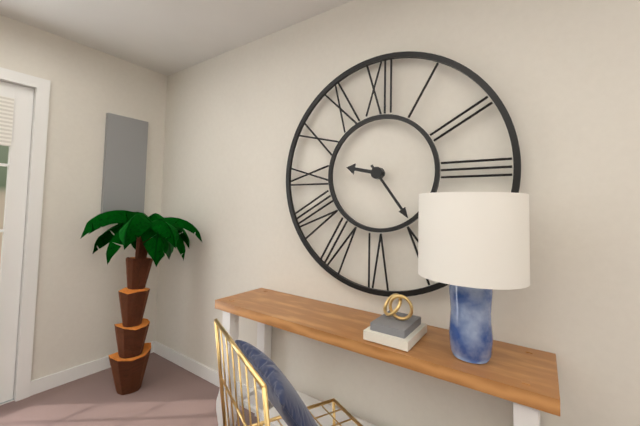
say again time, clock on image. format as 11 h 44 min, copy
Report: 9 h 24 min
